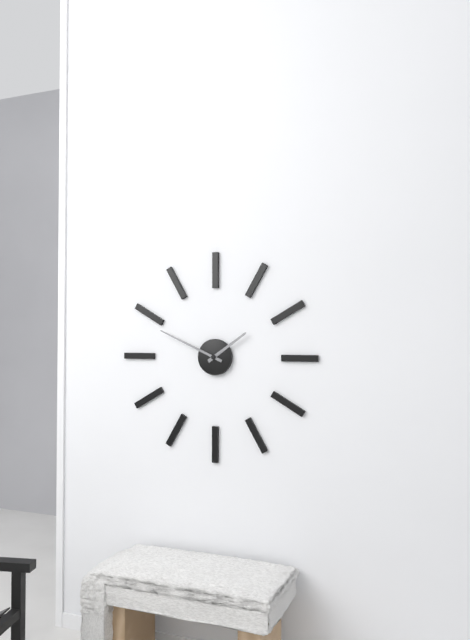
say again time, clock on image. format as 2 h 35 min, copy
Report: 1 h 49 min
